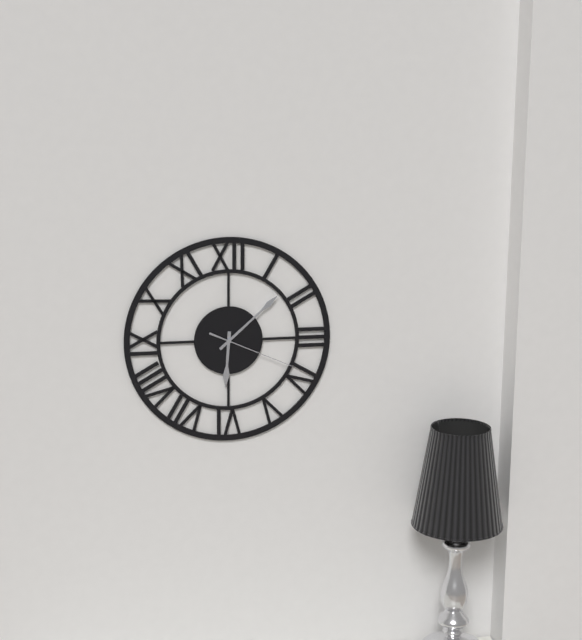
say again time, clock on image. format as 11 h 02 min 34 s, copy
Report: 6 h 08 min 19 s
